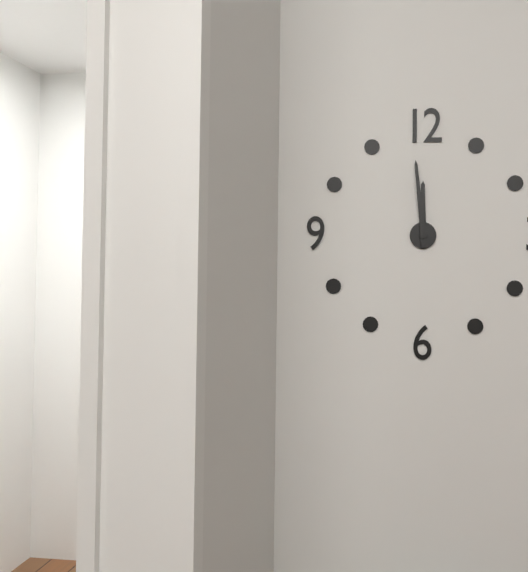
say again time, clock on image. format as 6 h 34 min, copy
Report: 11 h 59 min
